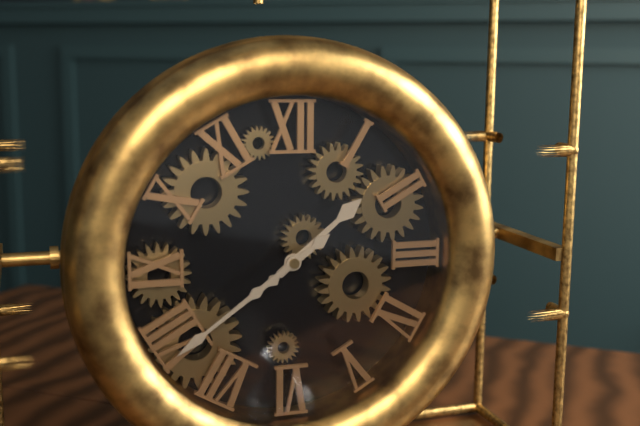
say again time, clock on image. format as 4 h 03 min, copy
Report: 1 h 39 min
